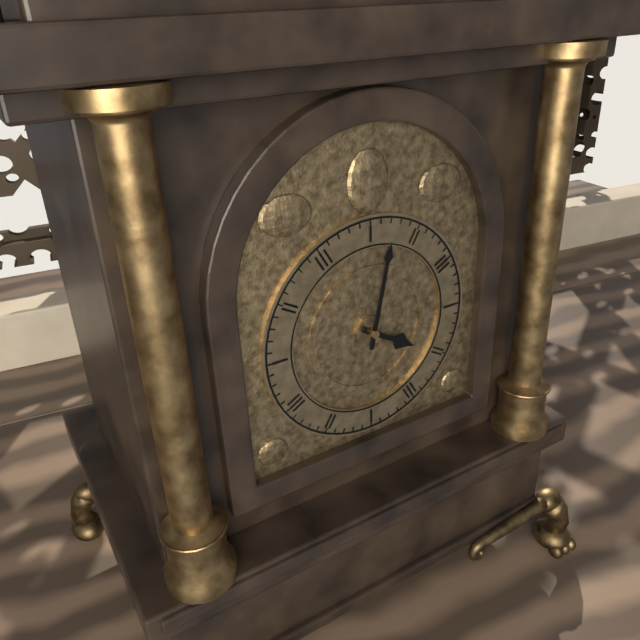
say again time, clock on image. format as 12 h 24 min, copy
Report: 4 h 02 min
